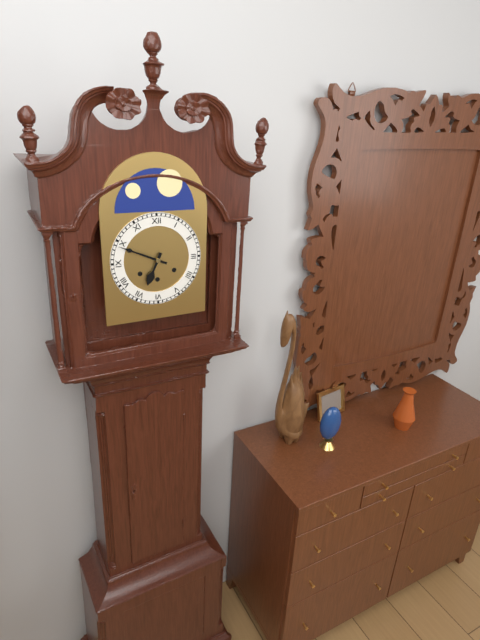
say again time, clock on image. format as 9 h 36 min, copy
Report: 6 h 49 min
